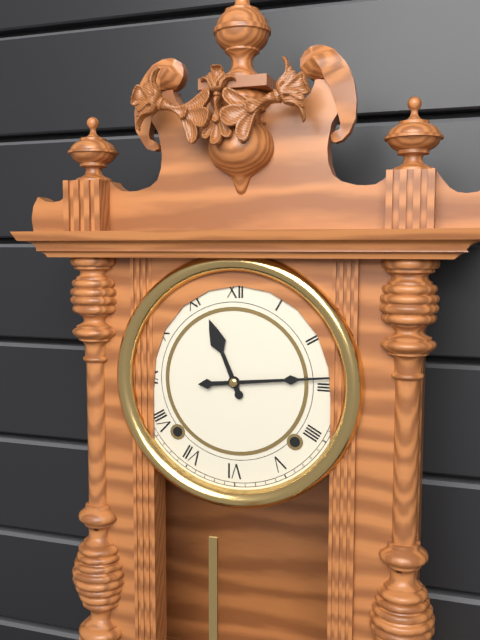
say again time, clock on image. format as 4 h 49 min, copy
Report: 11 h 14 min
